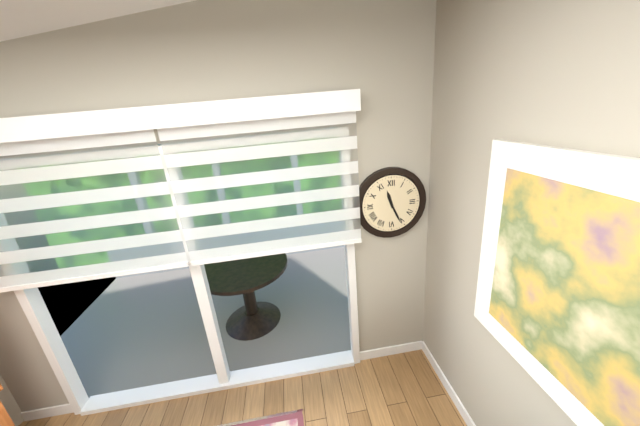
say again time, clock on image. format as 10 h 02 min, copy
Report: 11 h 26 min
